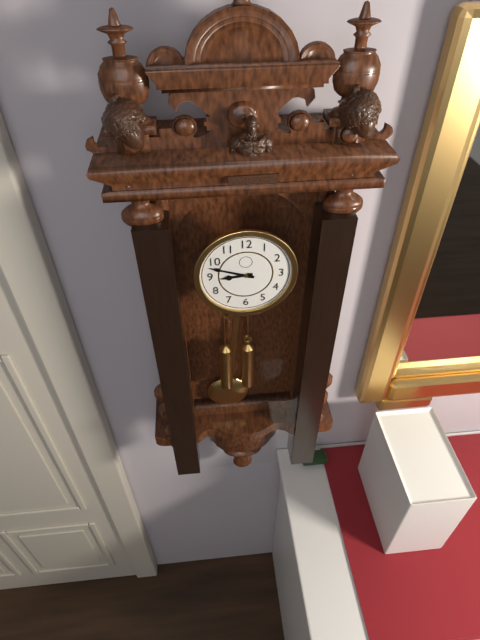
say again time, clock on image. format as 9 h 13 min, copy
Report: 8 h 48 min
